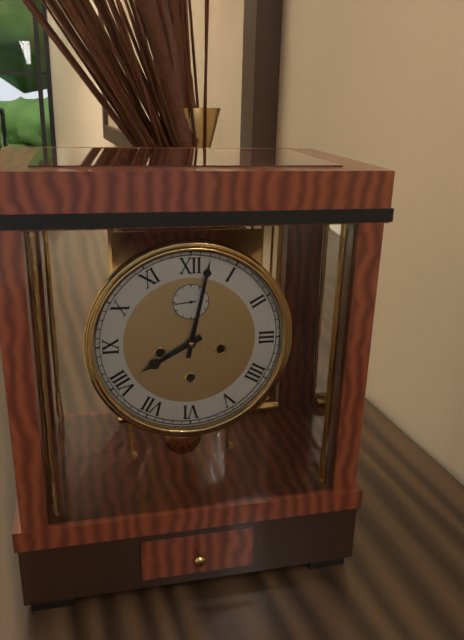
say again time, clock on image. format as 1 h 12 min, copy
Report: 8 h 02 min
